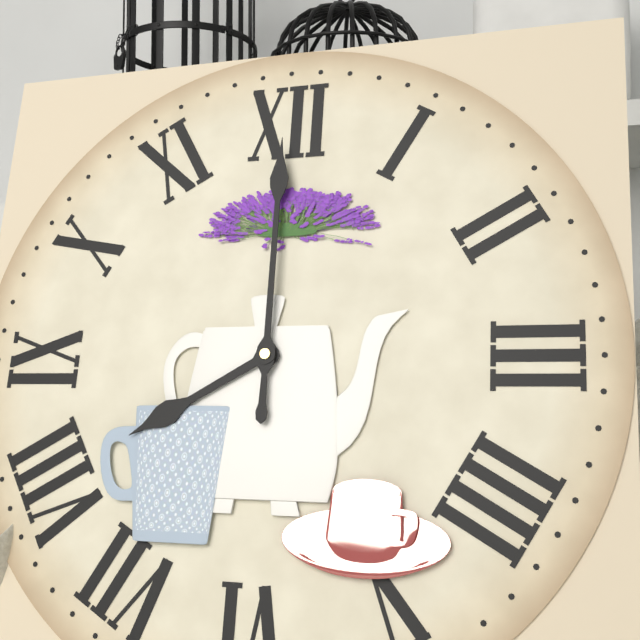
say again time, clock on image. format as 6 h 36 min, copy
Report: 8 h 00 min
